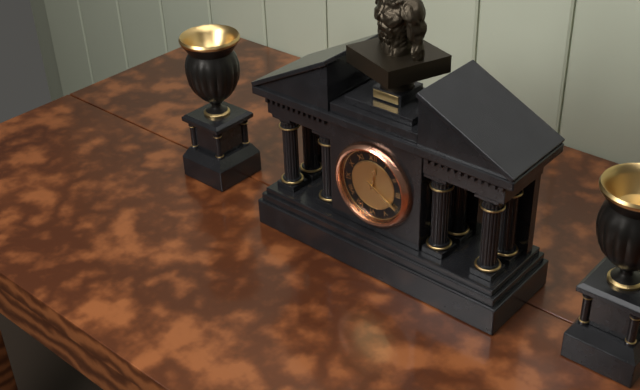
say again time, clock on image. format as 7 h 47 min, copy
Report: 12 h 20 min
